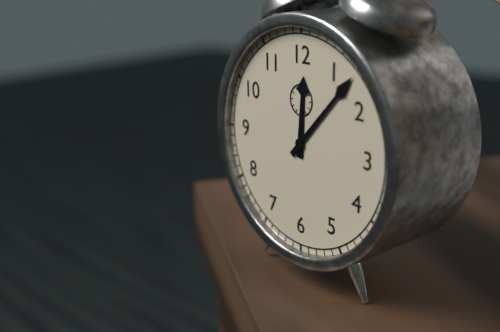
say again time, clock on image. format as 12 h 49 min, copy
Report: 12 h 07 min
